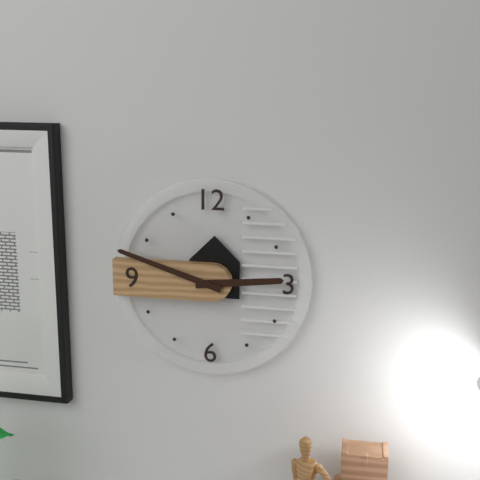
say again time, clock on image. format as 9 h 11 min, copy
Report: 2 h 48 min
